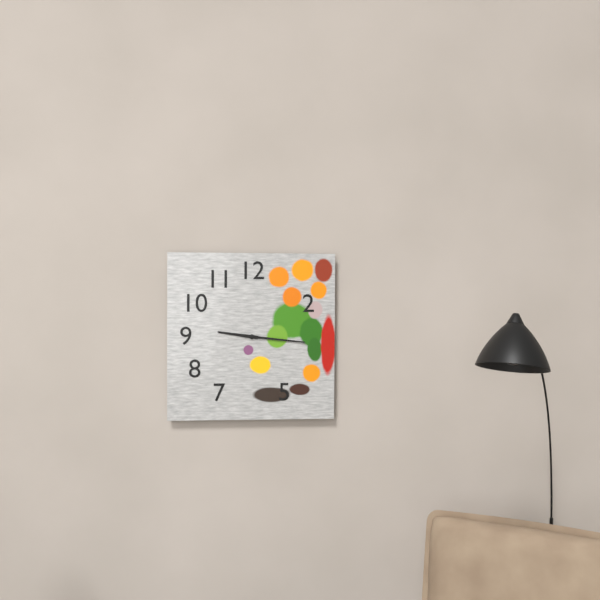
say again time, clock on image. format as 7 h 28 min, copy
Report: 9 h 16 min
